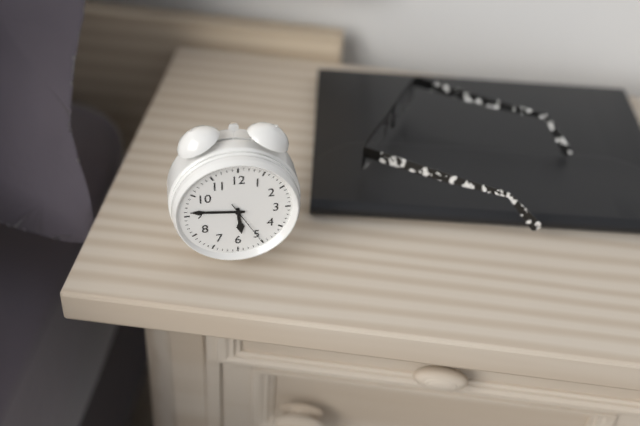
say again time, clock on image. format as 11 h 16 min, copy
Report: 5 h 46 min
